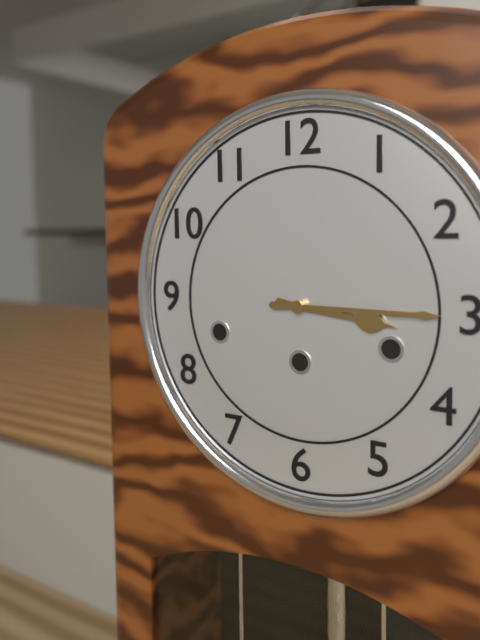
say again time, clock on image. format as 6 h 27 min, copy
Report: 3 h 15 min
